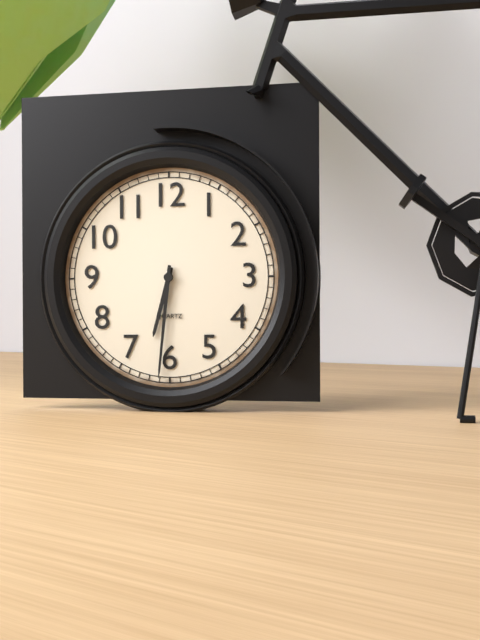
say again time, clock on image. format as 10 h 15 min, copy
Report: 6 h 31 min
